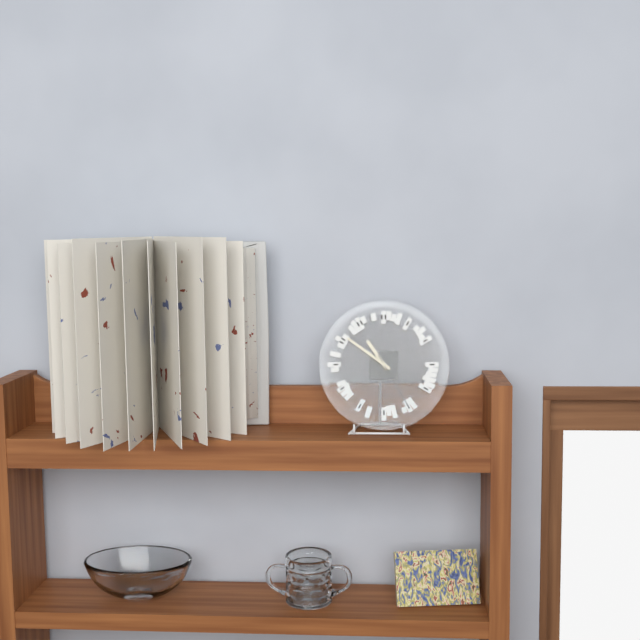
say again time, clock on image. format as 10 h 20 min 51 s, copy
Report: 10 h 51 min 25 s
